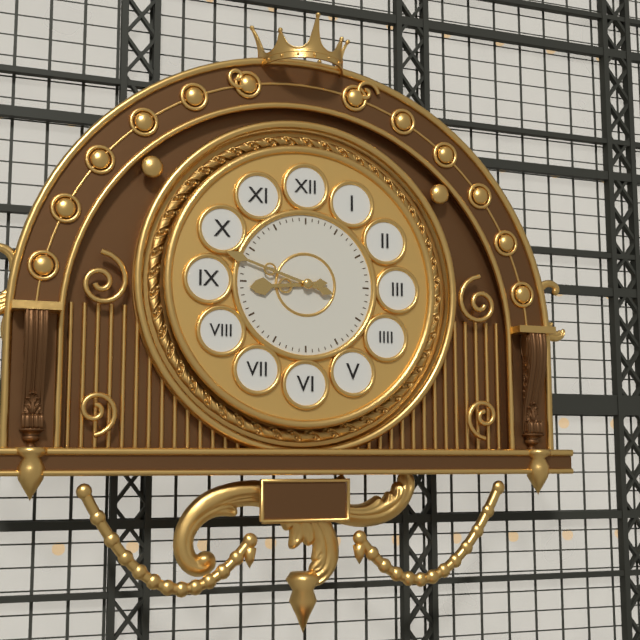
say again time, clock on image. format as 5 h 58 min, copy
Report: 8 h 48 min
